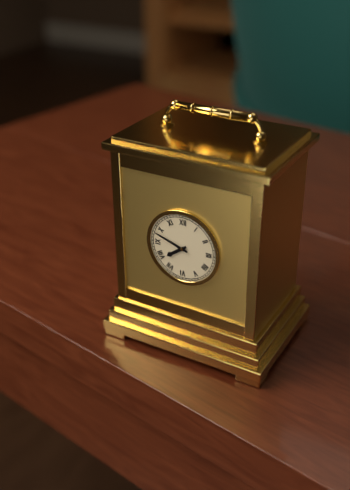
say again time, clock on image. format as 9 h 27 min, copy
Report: 7 h 48 min
